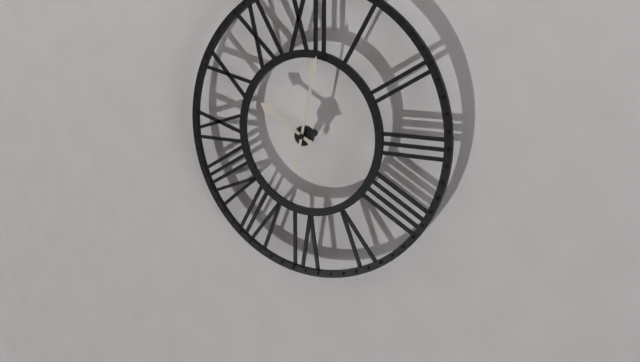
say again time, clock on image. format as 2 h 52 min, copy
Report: 10 h 02 min
